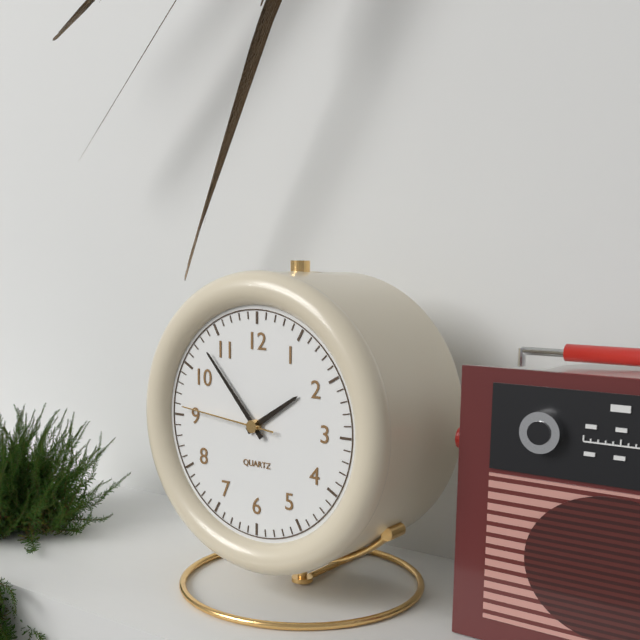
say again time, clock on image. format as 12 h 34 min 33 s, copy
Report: 1 h 53 min 46 s
